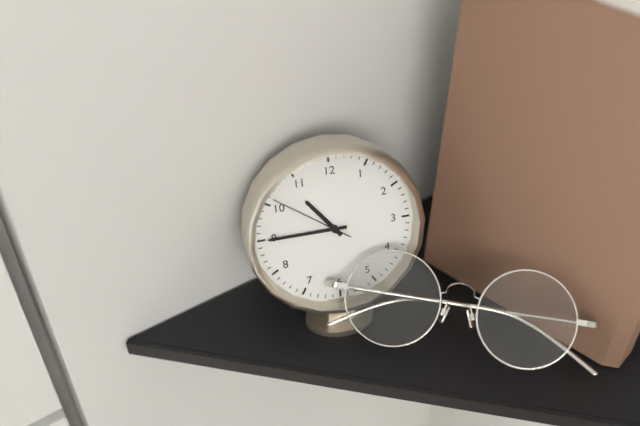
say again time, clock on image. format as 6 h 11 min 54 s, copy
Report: 10 h 45 min 51 s
